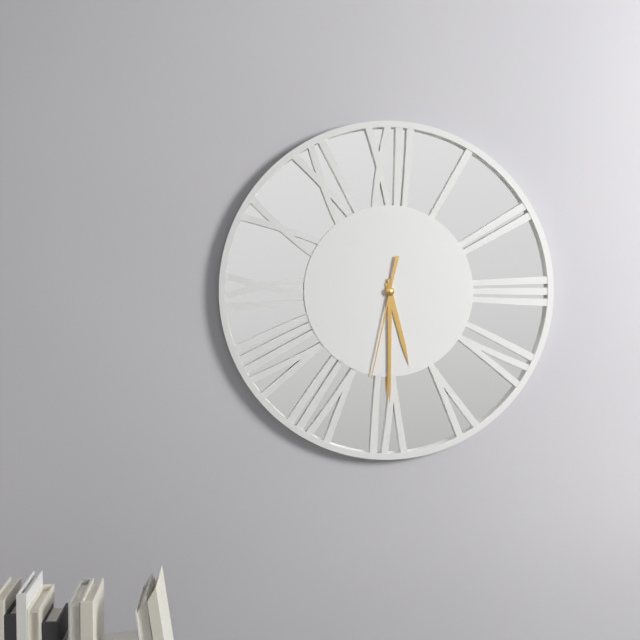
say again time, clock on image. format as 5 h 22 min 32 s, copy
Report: 5 h 30 min 32 s
